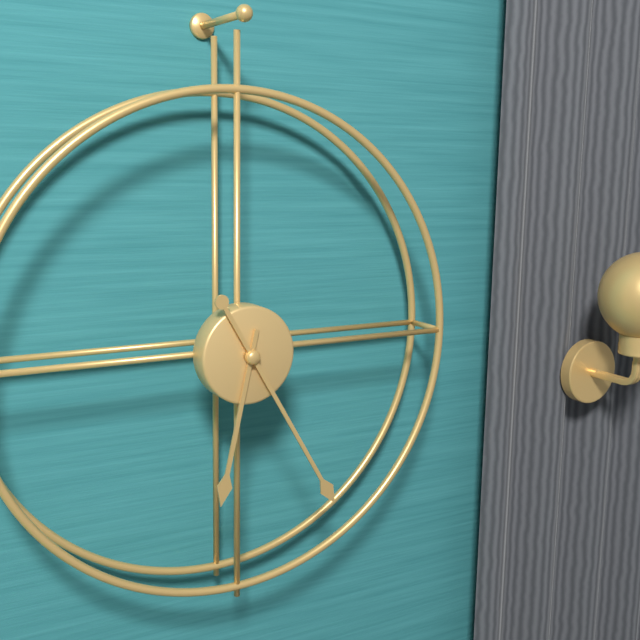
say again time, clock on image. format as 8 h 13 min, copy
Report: 6 h 25 min
